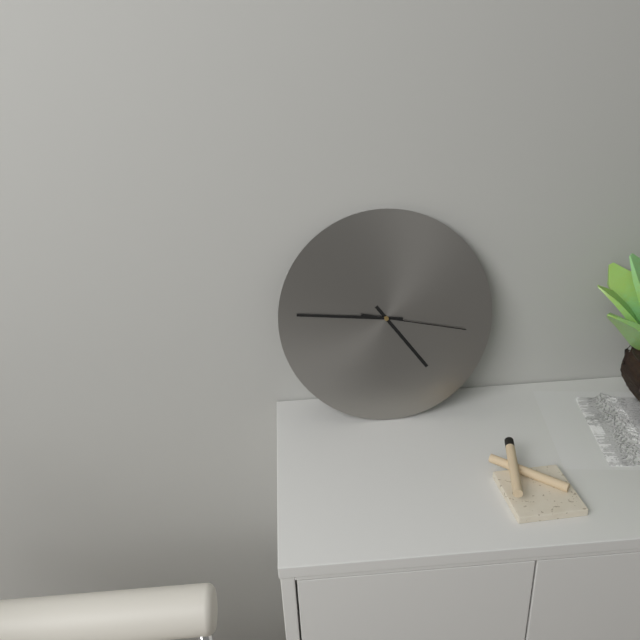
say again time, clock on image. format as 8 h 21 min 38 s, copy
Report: 4 h 46 min 17 s
